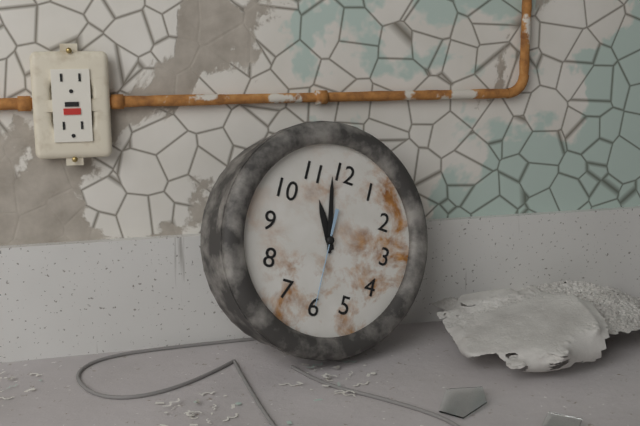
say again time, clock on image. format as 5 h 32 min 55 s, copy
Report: 10 h 58 min 30 s
